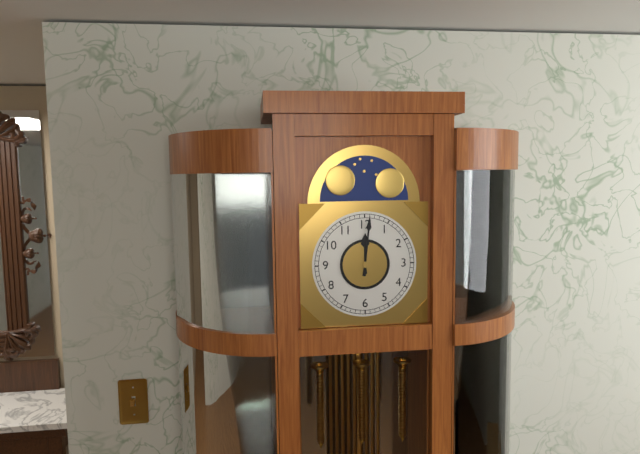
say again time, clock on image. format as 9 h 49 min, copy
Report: 12 h 01 min
